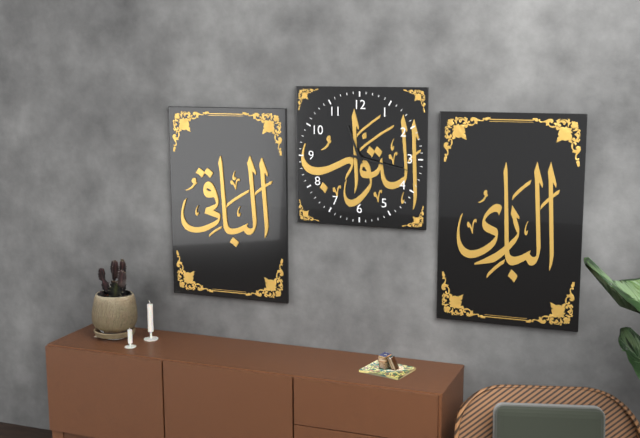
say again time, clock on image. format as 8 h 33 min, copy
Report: 11 h 17 min
